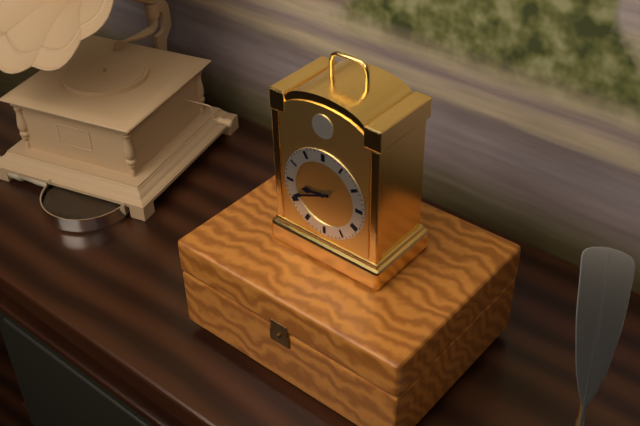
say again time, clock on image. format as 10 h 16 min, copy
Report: 8 h 41 min
